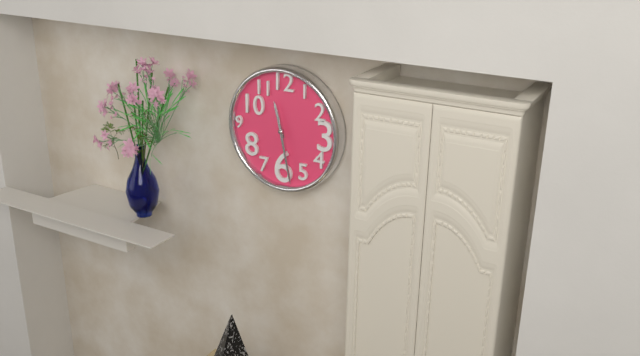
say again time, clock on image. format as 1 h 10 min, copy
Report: 11 h 28 min
